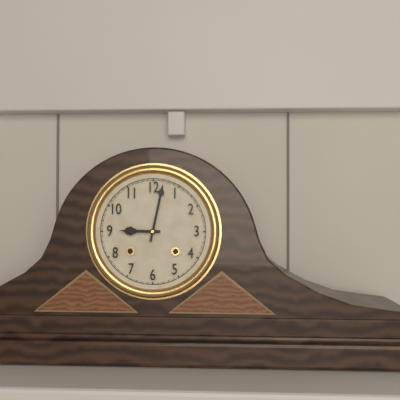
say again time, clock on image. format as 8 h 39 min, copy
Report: 9 h 02 min
